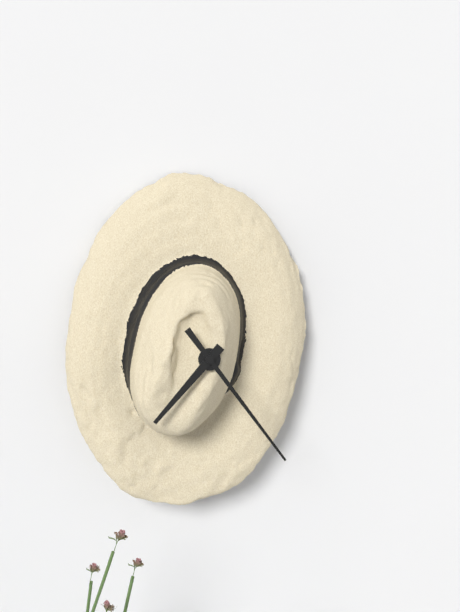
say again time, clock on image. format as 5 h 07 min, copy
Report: 7 h 24 min
